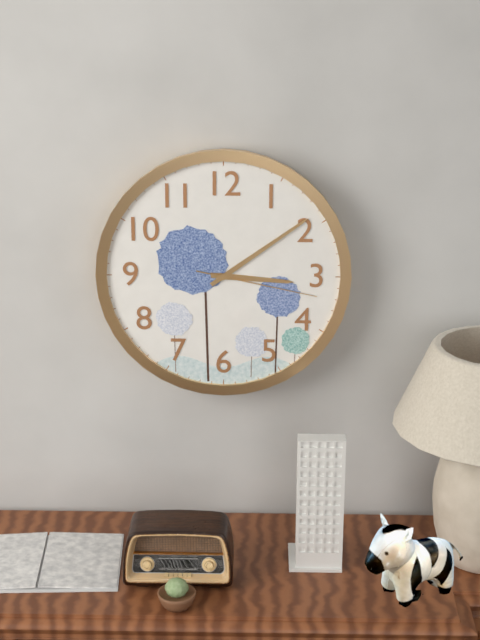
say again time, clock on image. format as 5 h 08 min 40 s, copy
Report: 3 h 09 min 17 s
